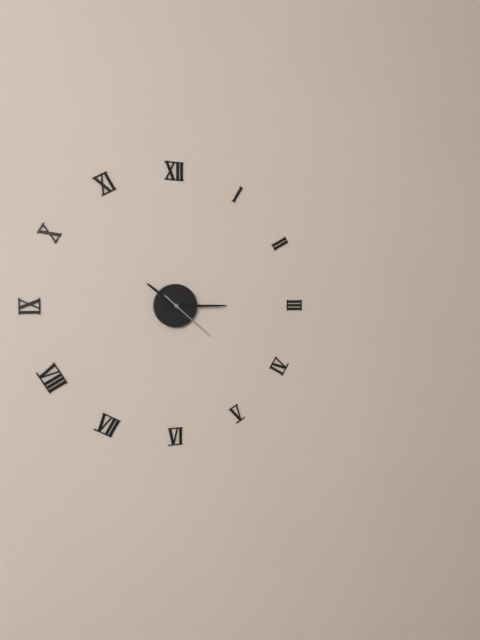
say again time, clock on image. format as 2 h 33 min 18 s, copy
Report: 10 h 15 min 22 s
